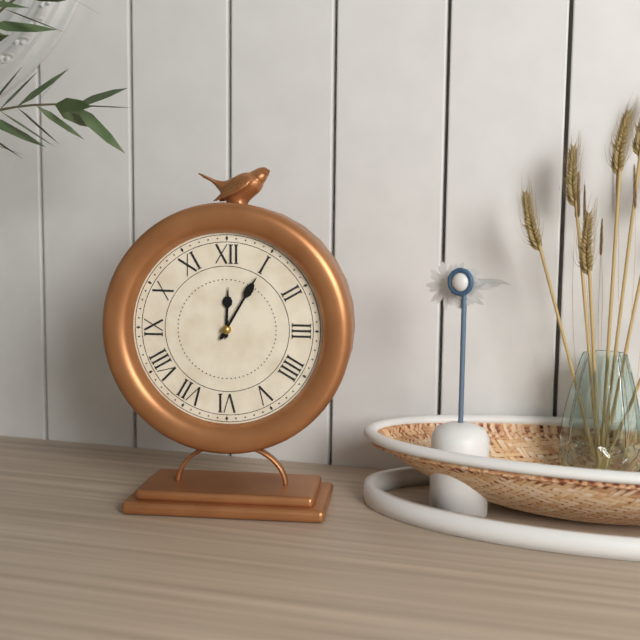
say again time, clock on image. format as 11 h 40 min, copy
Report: 12 h 05 min
